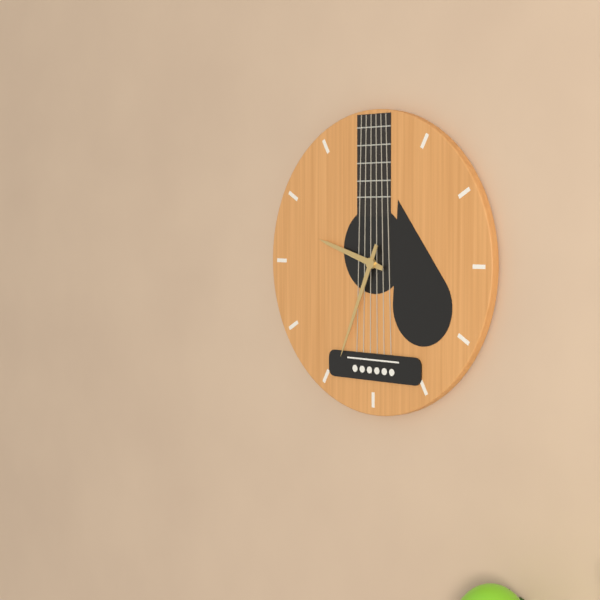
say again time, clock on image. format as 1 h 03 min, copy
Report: 9 h 34 min
